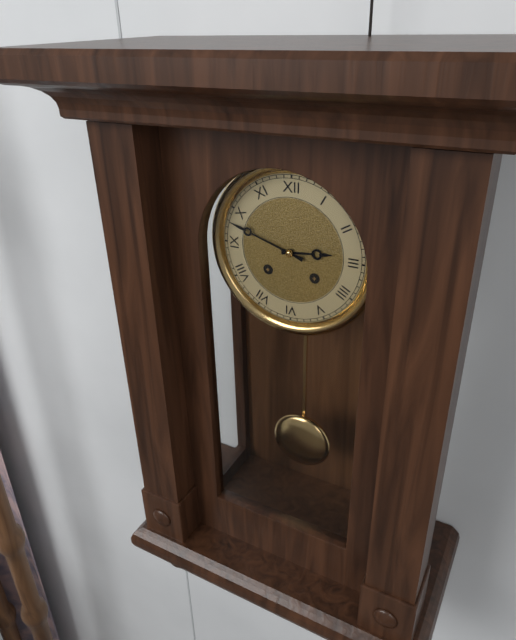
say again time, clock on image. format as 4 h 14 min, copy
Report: 2 h 48 min
